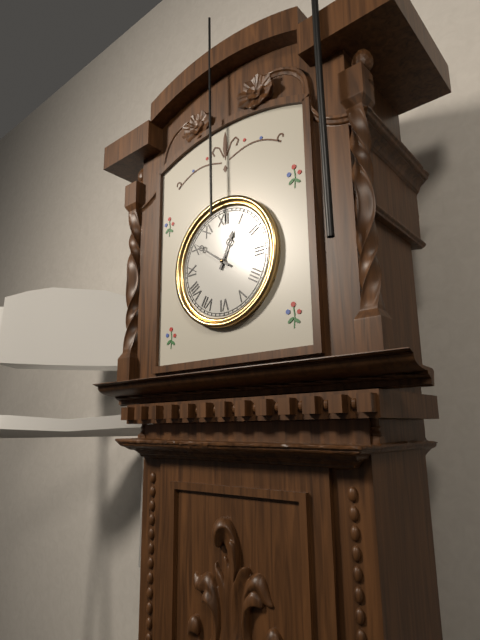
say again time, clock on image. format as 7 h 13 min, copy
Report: 12 h 51 min
